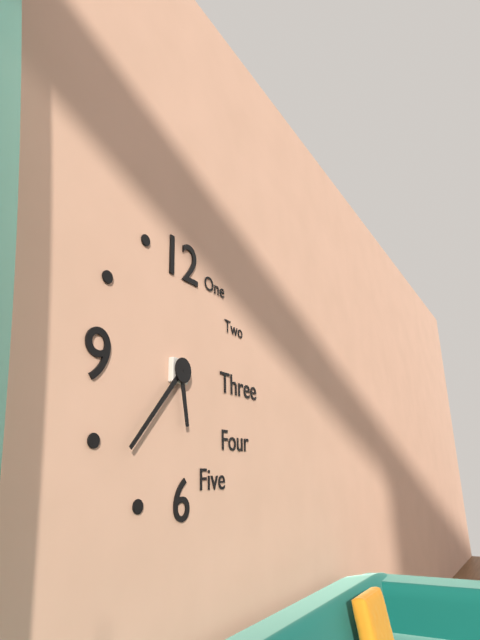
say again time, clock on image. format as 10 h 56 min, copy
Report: 5 h 37 min
